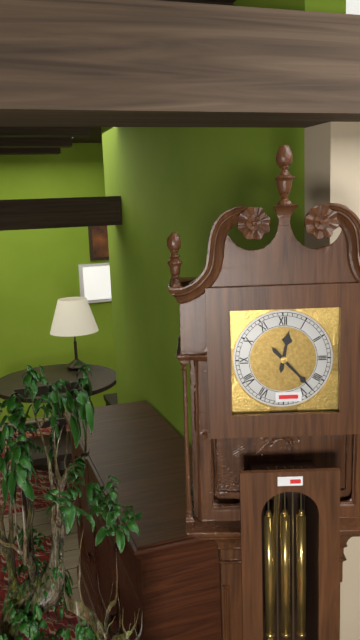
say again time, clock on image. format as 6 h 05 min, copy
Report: 12 h 23 min
